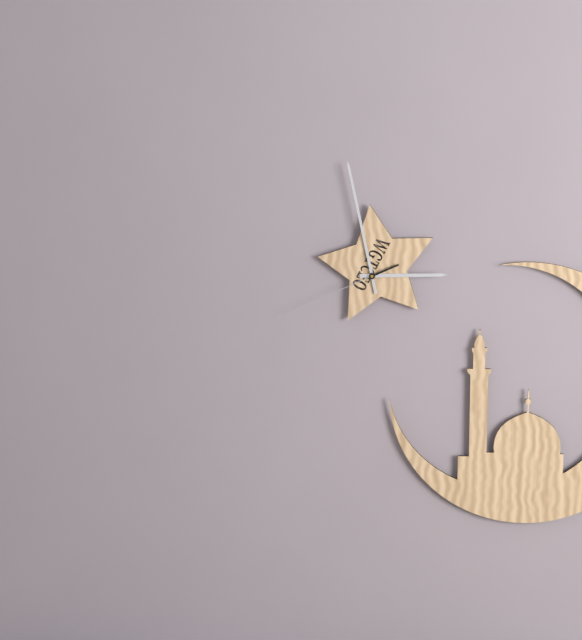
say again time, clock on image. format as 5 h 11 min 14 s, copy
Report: 2 h 58 min 41 s
